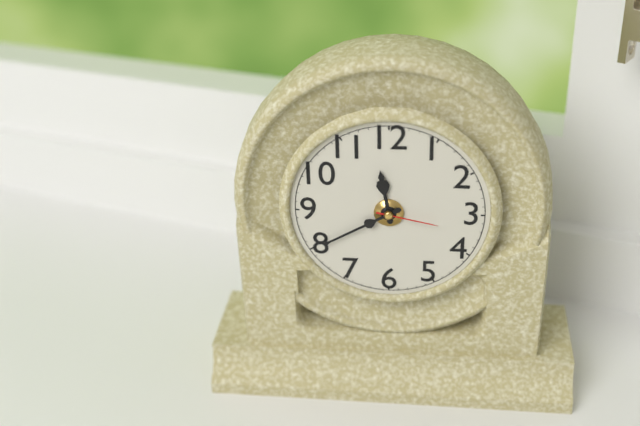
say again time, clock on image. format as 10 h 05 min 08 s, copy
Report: 11 h 40 min 17 s
